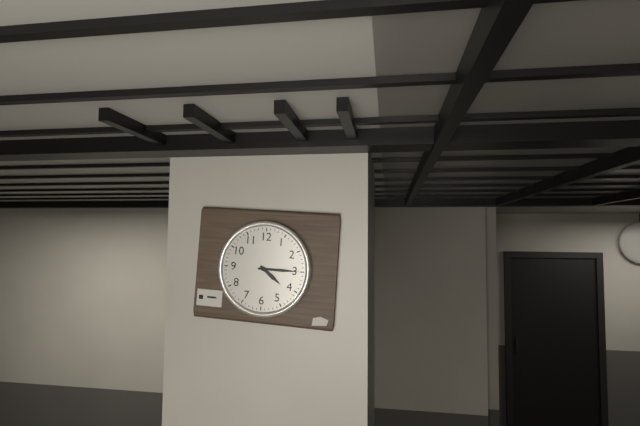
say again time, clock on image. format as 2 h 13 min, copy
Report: 4 h 15 min
